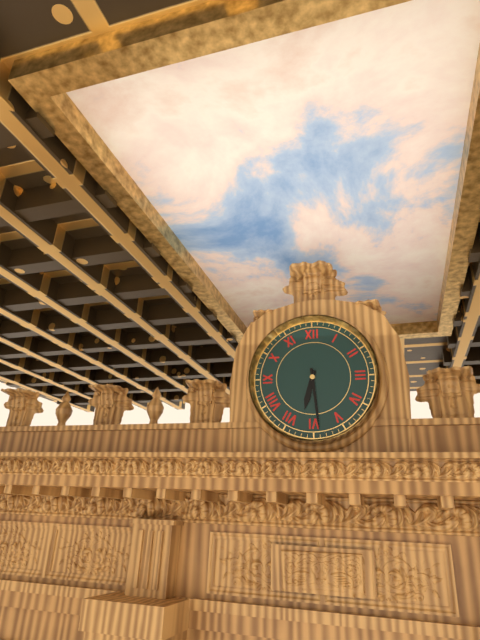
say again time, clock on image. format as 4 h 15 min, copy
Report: 6 h 29 min
